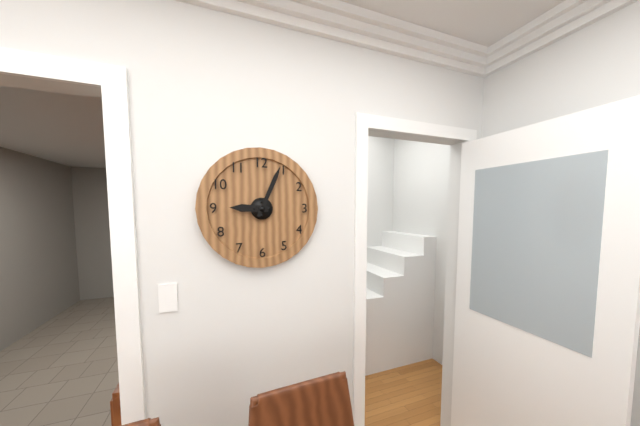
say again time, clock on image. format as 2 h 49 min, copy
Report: 9 h 04 min
